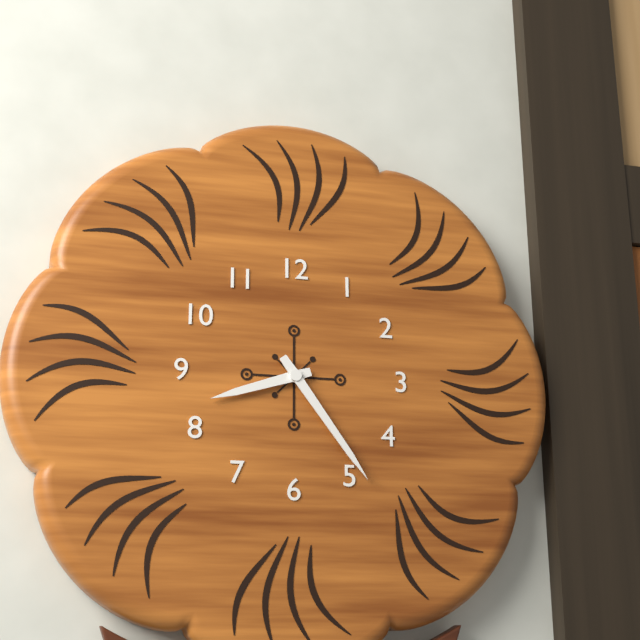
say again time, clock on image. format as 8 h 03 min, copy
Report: 8 h 24 min
